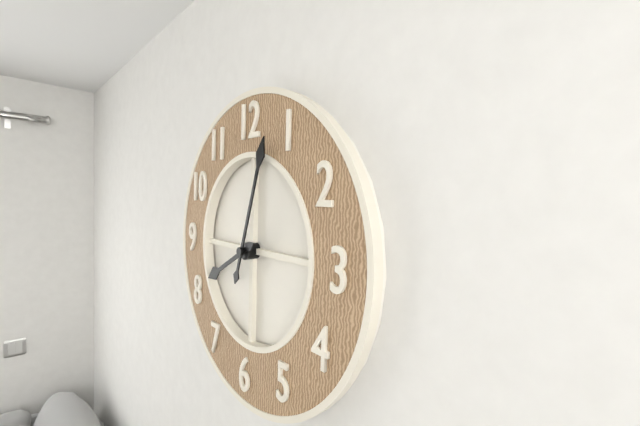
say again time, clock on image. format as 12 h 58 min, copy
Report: 8 h 03 min
